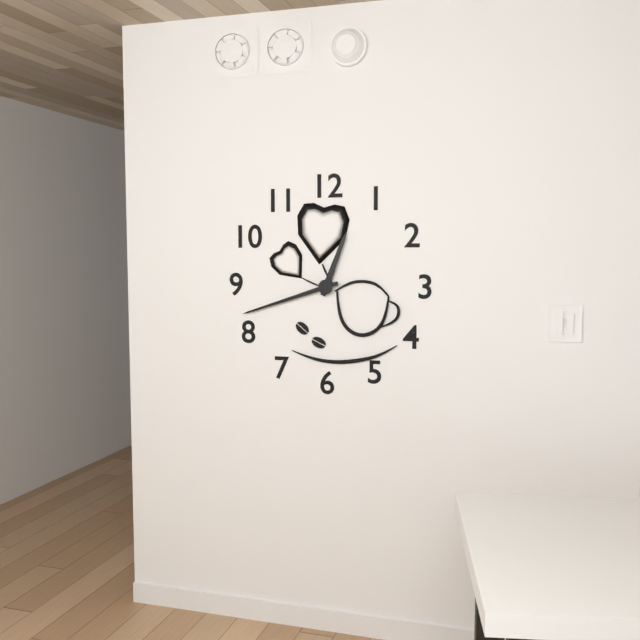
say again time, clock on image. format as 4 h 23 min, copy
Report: 12 h 42 min
